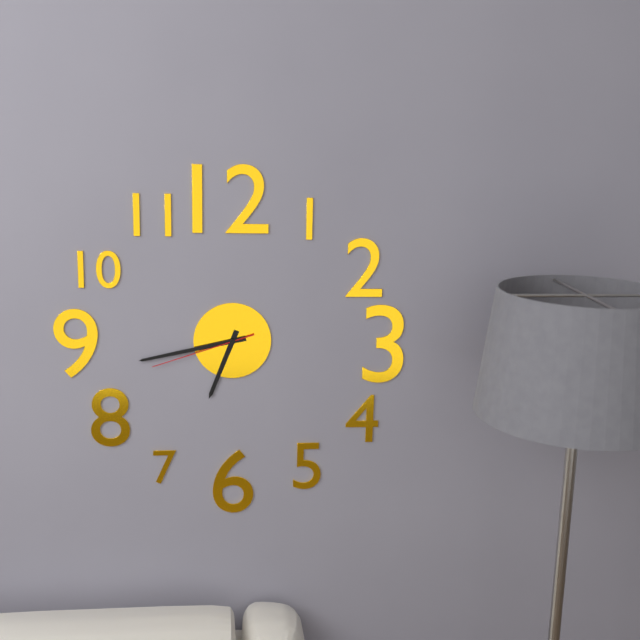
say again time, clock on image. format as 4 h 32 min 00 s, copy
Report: 6 h 43 min 42 s
